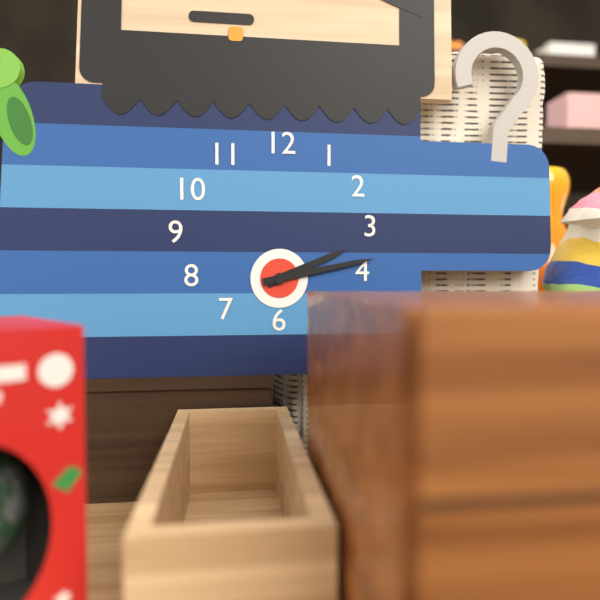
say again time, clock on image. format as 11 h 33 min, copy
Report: 2 h 13 min
